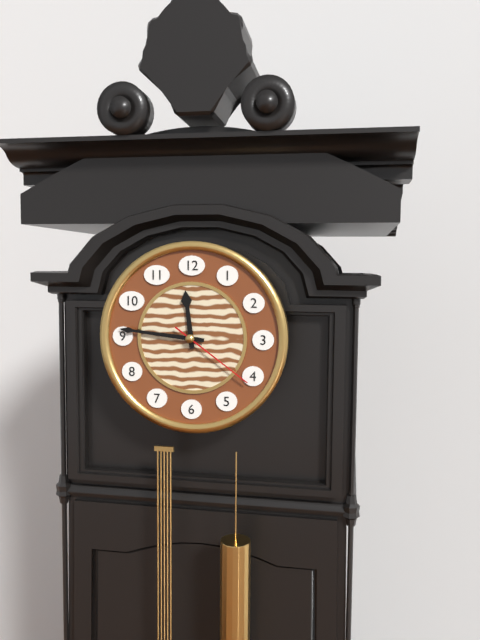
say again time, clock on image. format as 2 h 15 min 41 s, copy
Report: 11 h 46 min 21 s
